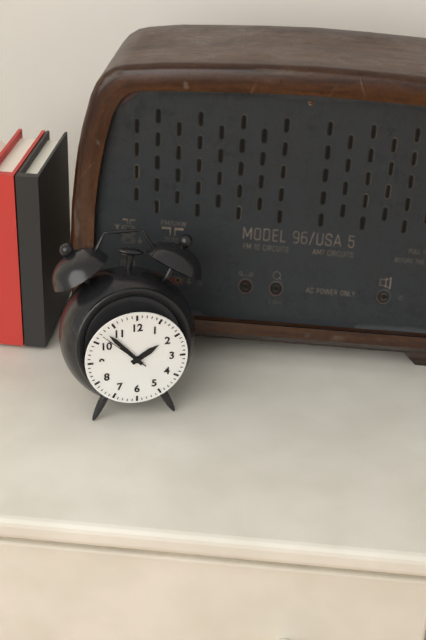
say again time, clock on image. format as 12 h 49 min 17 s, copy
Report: 1 h 53 min 52 s
